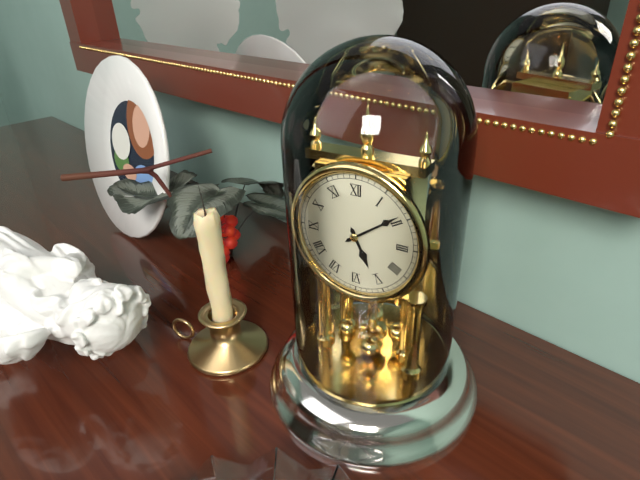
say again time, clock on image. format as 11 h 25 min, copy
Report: 5 h 09 min
